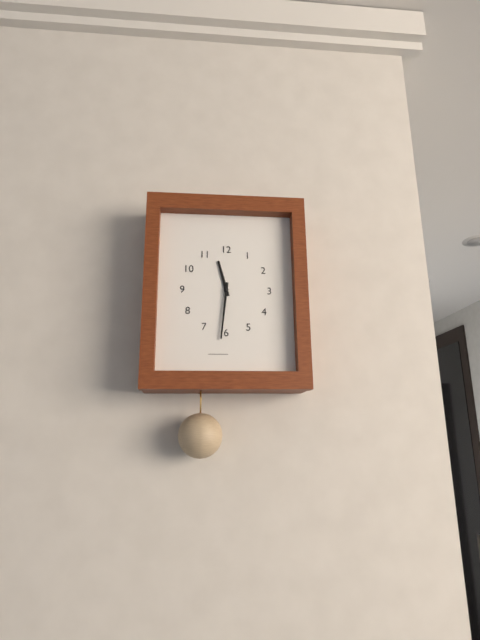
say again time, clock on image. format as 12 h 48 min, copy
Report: 11 h 31 min
